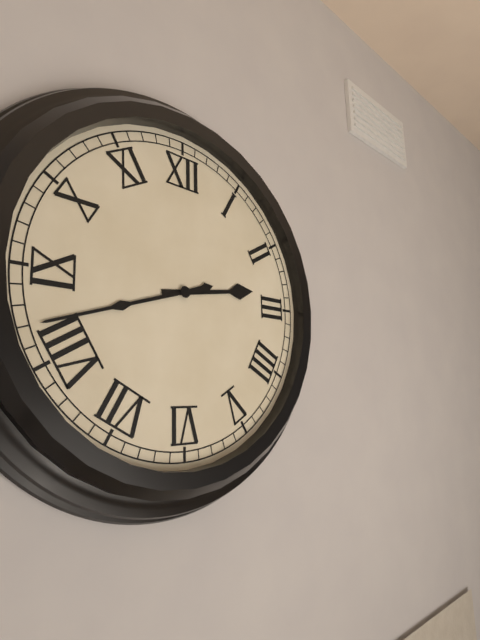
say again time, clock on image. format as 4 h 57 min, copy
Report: 2 h 42 min
